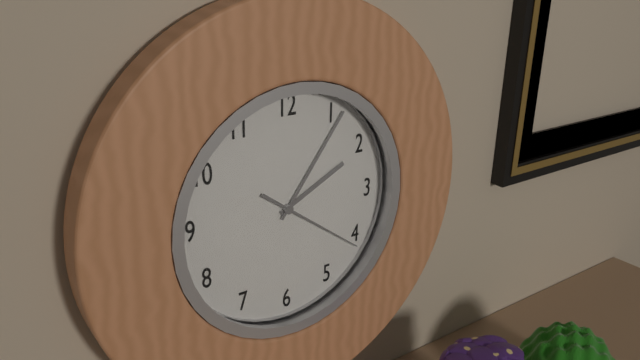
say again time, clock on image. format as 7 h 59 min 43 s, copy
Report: 2 h 06 min 21 s
